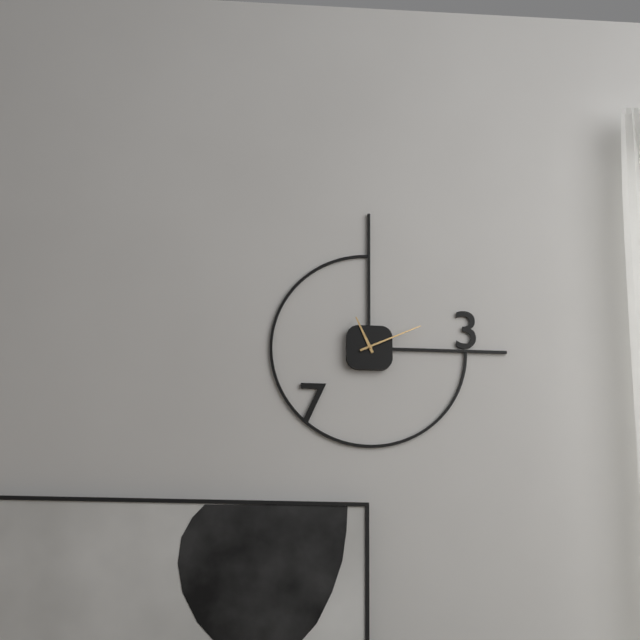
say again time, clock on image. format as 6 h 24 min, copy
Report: 11 h 11 min
